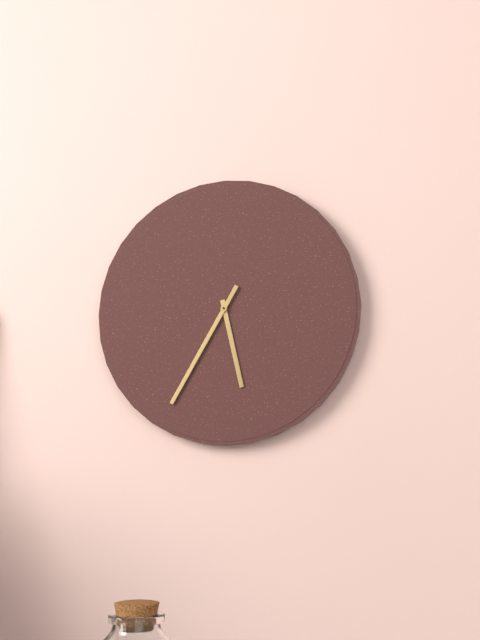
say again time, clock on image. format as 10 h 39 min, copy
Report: 5 h 35 min
